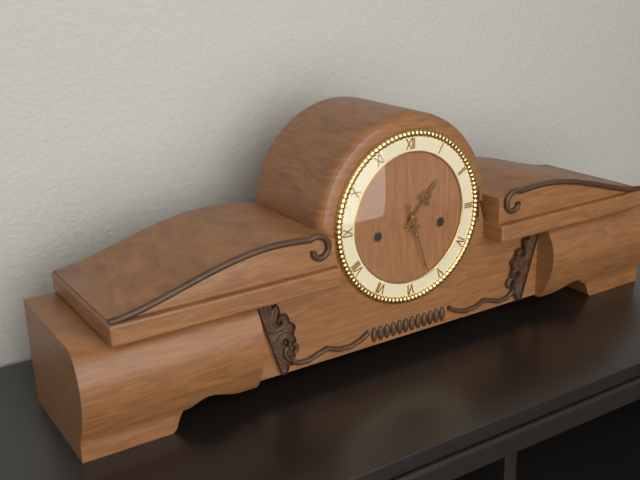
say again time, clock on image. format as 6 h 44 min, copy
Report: 1 h 27 min
